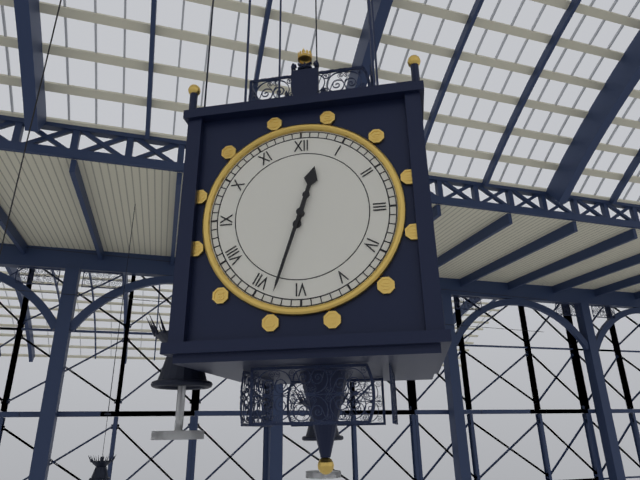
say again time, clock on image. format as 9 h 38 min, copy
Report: 12 h 33 min
